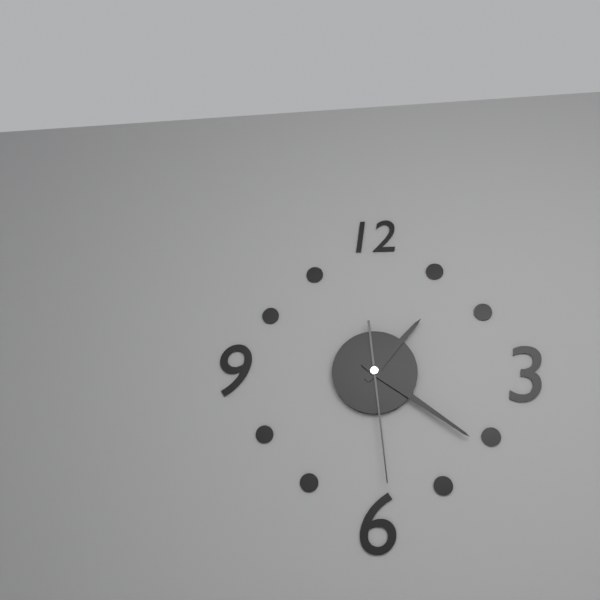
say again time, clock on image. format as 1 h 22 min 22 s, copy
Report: 1 h 21 min 29 s
